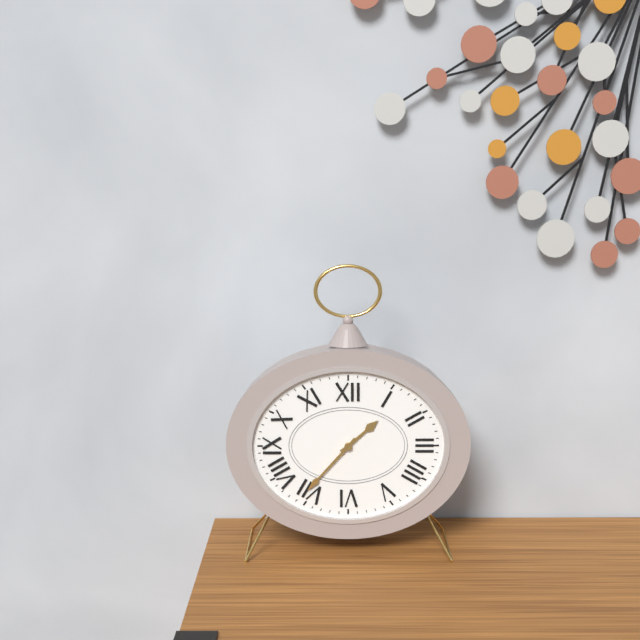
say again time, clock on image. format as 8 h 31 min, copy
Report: 1 h 37 min
